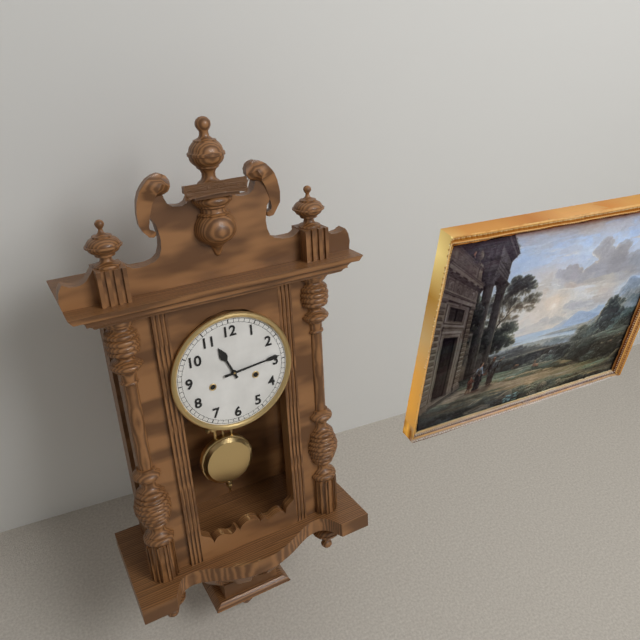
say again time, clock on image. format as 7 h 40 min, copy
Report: 11 h 14 min
